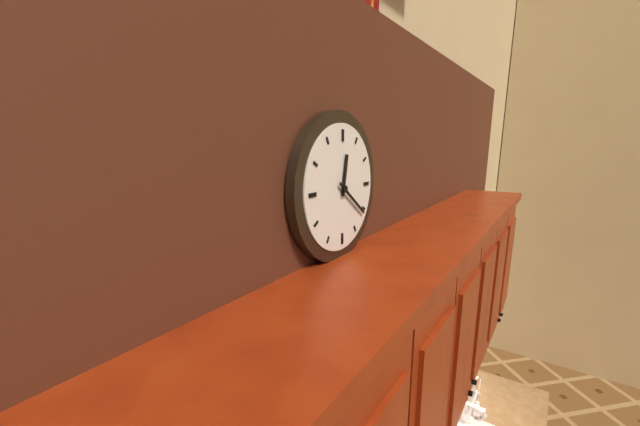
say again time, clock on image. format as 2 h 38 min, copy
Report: 12 h 21 min
